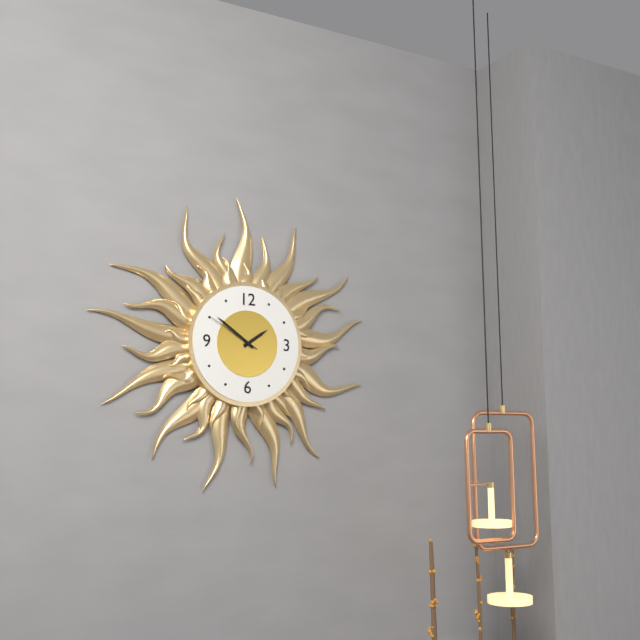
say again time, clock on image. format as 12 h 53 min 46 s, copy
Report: 1 h 51 min 50 s
